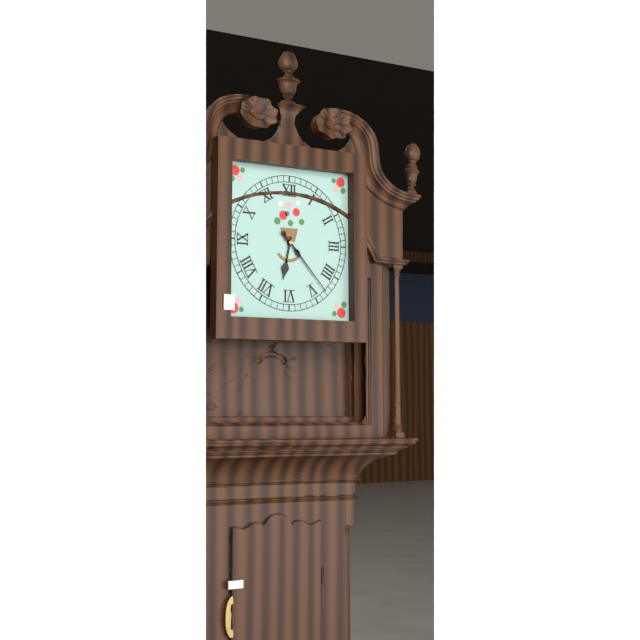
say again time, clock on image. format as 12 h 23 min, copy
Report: 6 h 23 min
